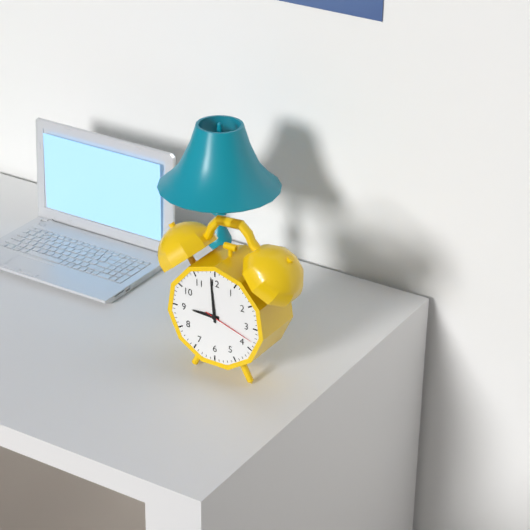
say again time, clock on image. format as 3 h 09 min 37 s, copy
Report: 8 h 59 min 18 s
